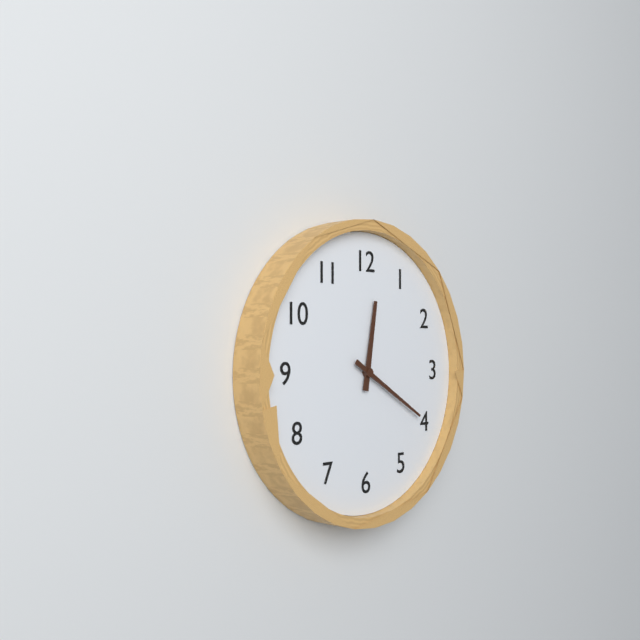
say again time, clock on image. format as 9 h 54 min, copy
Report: 12 h 20 min
